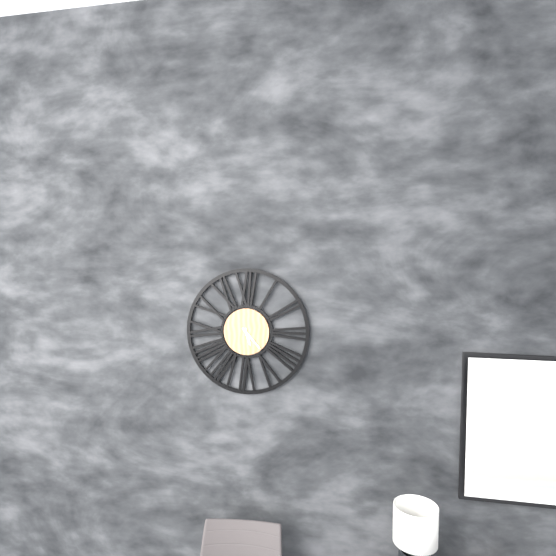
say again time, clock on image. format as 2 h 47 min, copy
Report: 5 h 23 min
